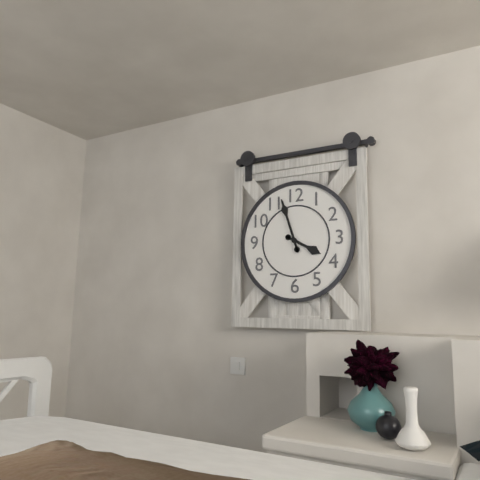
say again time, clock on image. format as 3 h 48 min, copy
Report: 3 h 57 min
